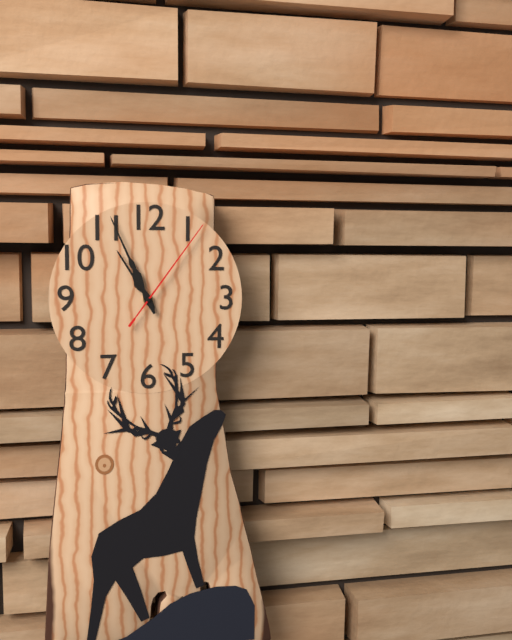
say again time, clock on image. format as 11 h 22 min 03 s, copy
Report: 10 h 56 min 06 s
